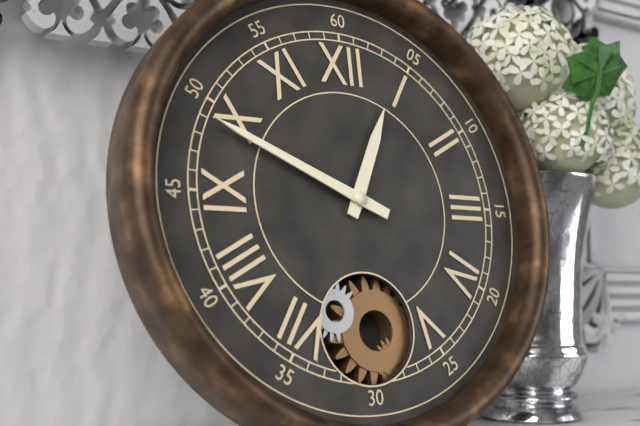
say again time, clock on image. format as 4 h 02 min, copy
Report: 12 h 49 min
